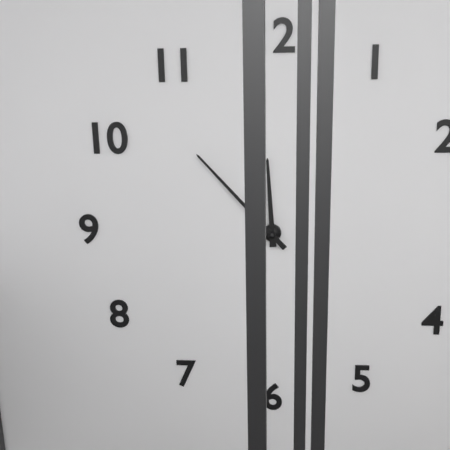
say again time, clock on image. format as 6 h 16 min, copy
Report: 11 h 53 min
